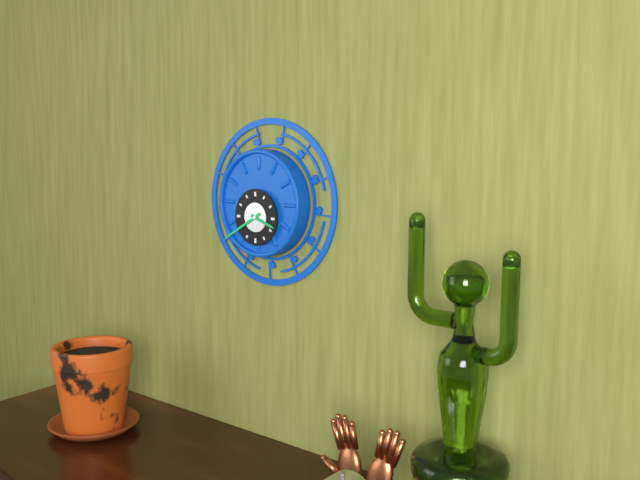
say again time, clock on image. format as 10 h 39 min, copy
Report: 3 h 40 min
